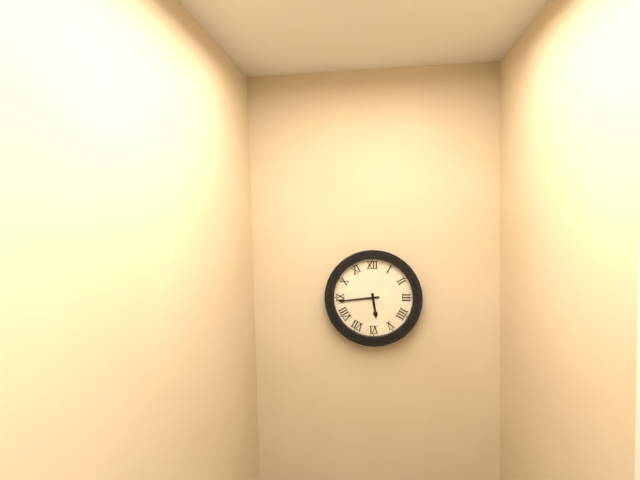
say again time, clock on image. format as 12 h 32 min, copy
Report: 5 h 44 min
